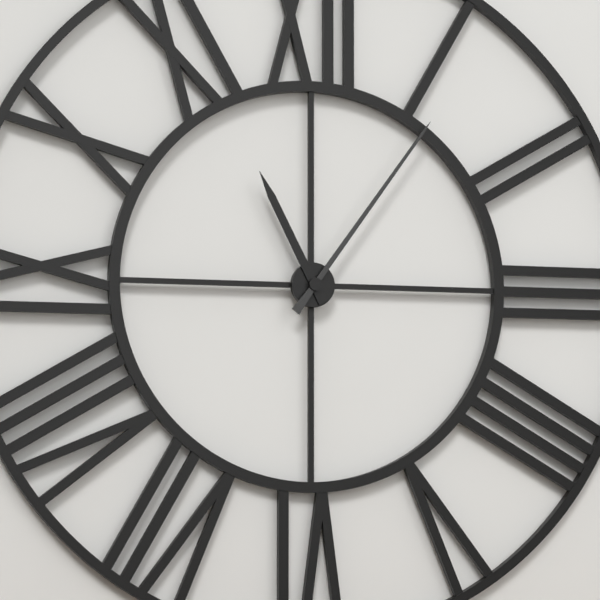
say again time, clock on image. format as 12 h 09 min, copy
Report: 11 h 06 min
